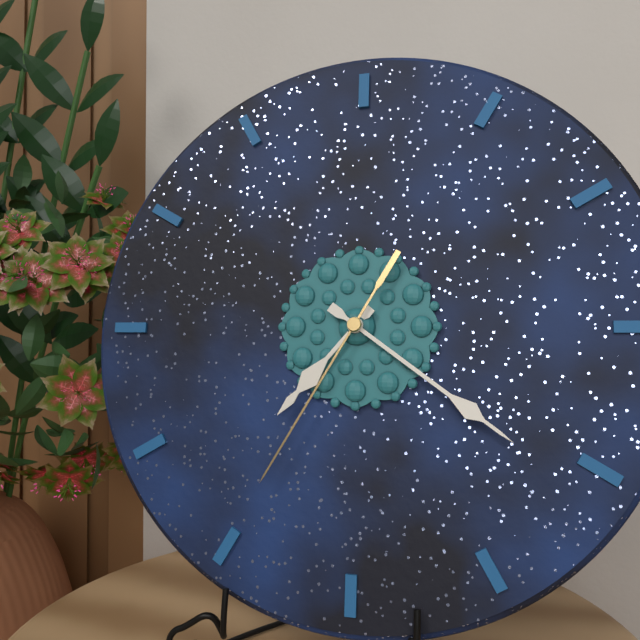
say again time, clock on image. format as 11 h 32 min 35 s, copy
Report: 7 h 21 min 35 s
